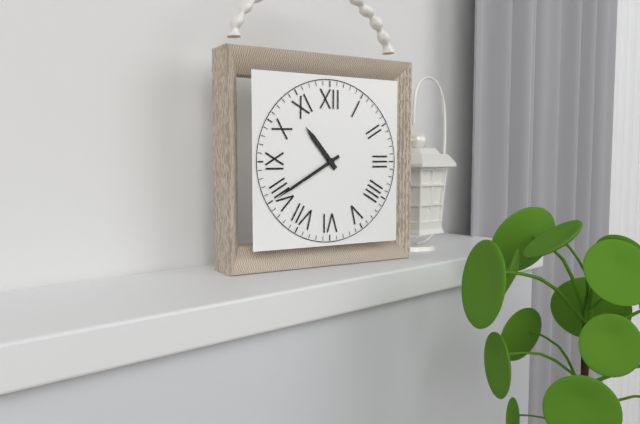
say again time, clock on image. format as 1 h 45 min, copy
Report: 10 h 40 min
